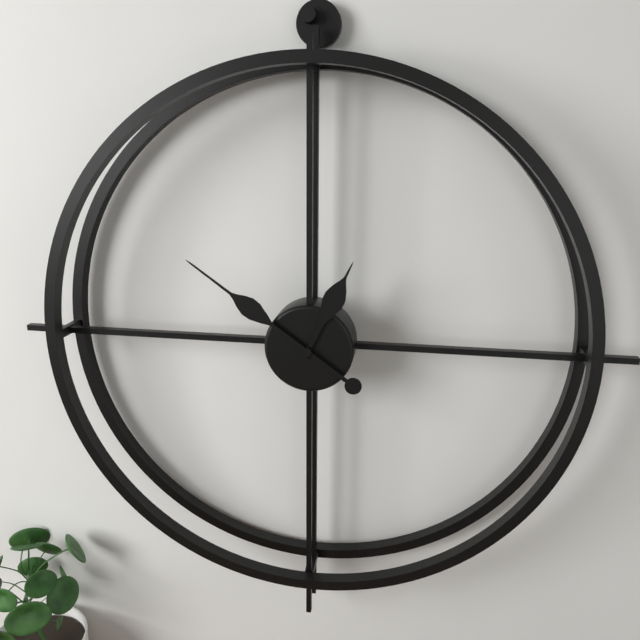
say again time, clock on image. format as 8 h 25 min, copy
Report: 12 h 51 min
